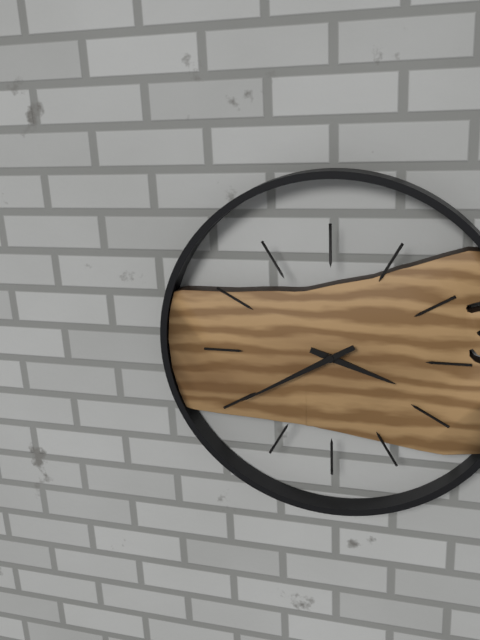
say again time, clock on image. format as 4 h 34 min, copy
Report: 3 h 40 min
